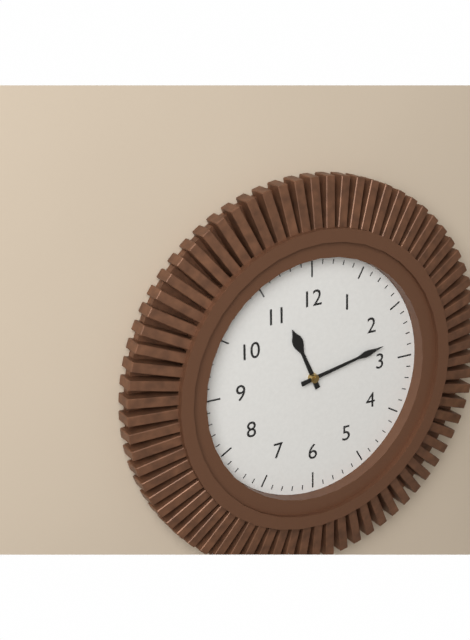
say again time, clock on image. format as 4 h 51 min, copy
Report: 11 h 13 min
